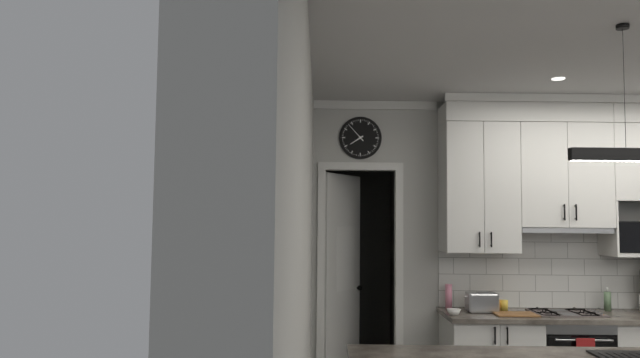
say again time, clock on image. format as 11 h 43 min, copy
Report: 7 h 53 min
